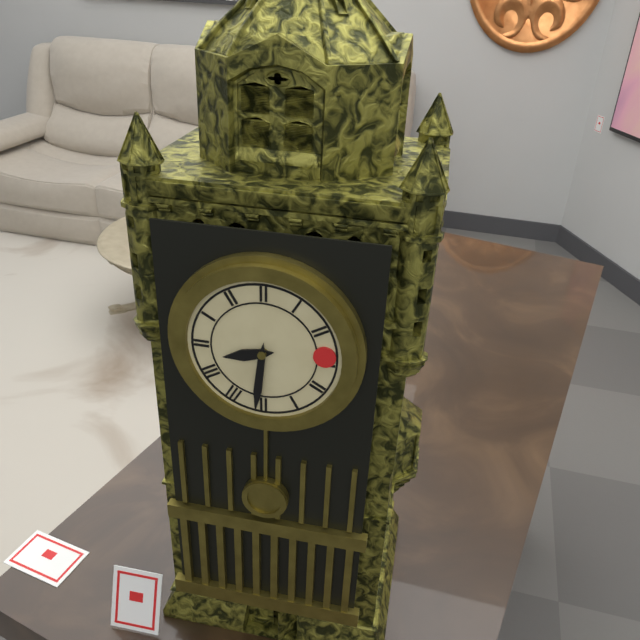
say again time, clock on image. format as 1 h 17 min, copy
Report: 8 h 31 min
